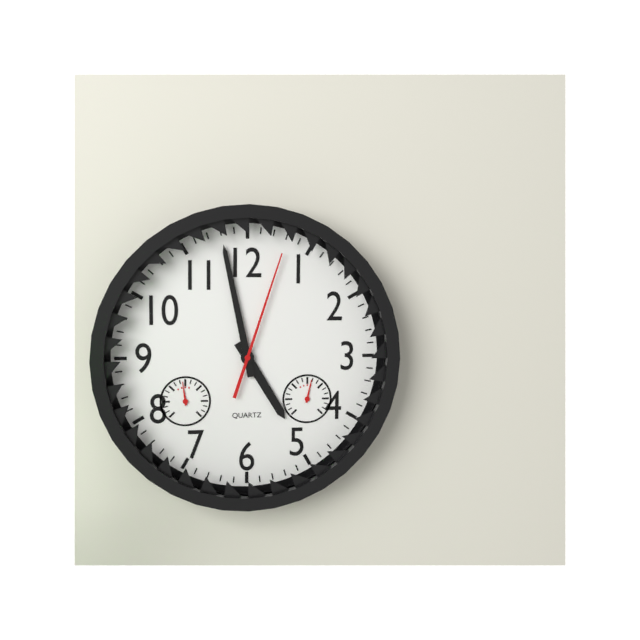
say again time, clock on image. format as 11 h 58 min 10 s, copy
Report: 4 h 58 min 03 s
